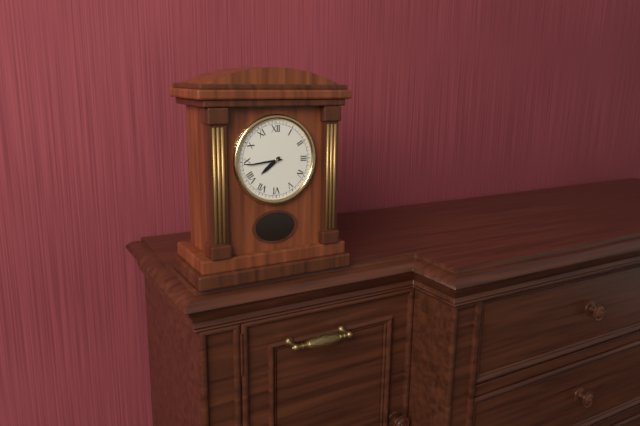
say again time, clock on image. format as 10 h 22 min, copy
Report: 7 h 44 min
